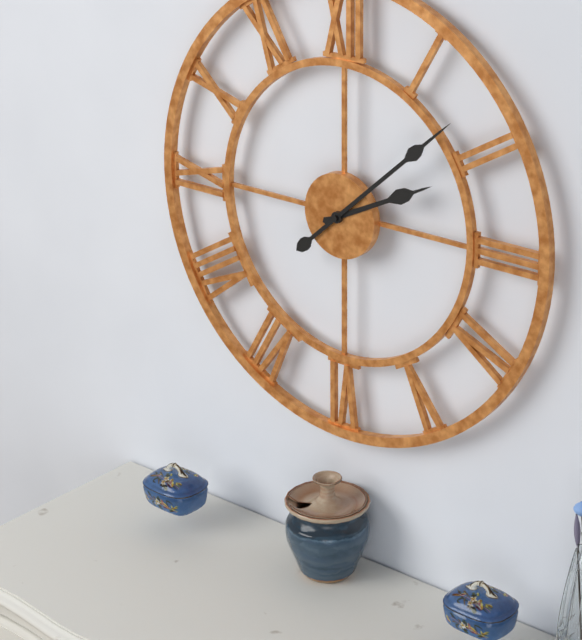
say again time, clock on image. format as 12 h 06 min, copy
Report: 2 h 08 min
